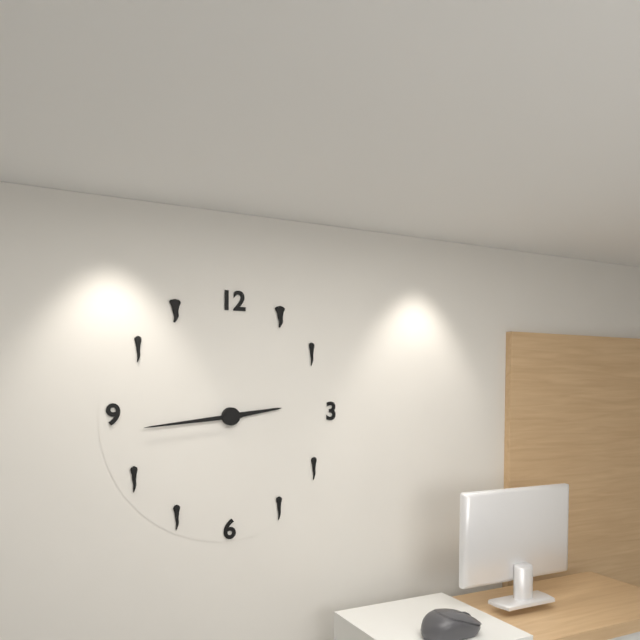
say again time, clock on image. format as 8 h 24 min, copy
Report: 2 h 44 min
